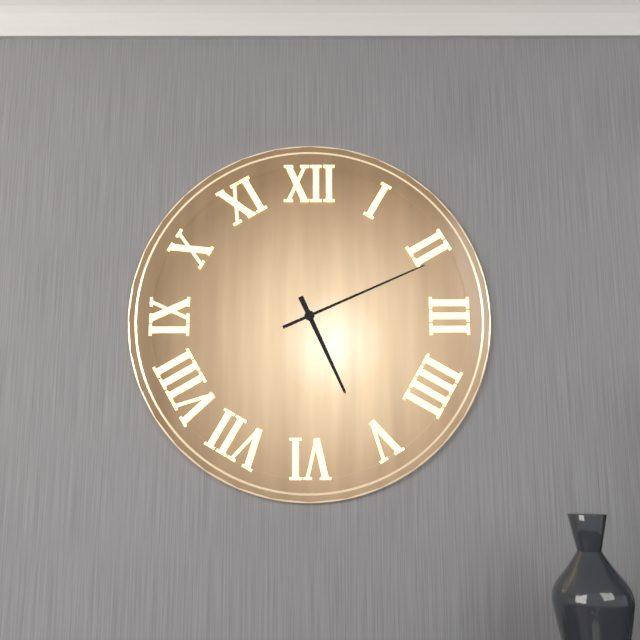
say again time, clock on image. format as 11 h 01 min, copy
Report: 5 h 11 min
